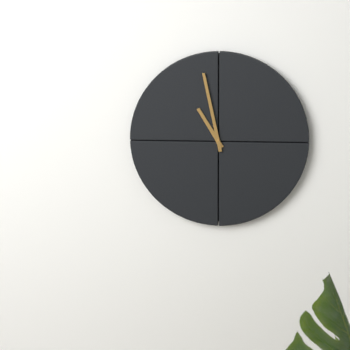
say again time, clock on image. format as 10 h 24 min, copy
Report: 10 h 58 min
